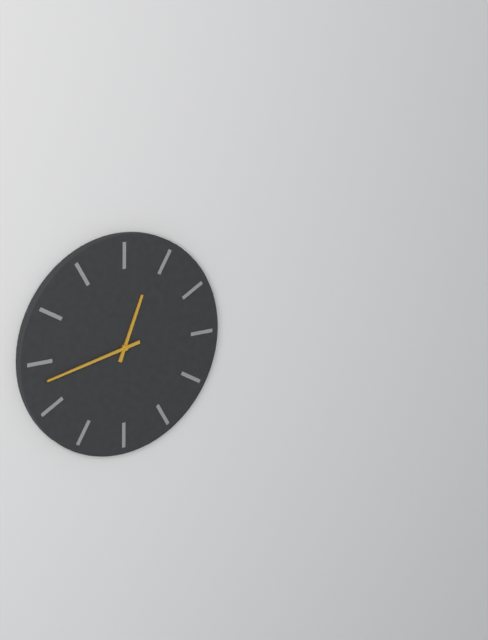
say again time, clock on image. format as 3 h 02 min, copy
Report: 12 h 43 min
